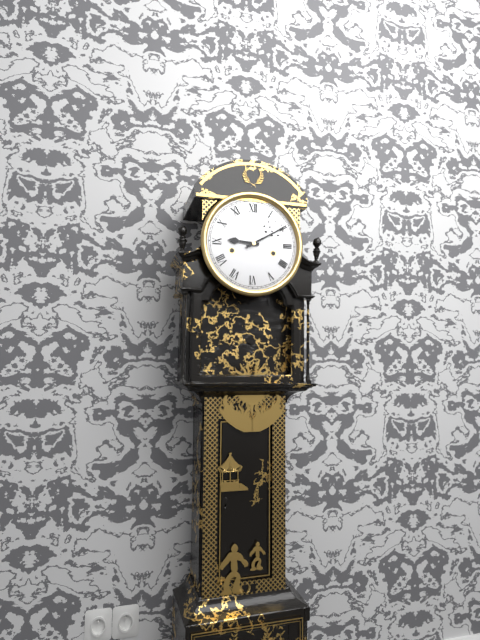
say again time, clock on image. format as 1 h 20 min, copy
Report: 9 h 10 min
